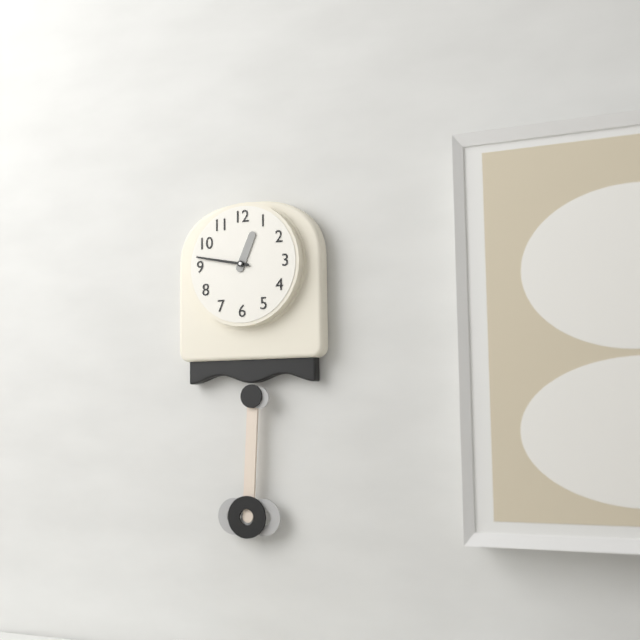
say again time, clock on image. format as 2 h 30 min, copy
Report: 12 h 47 min
